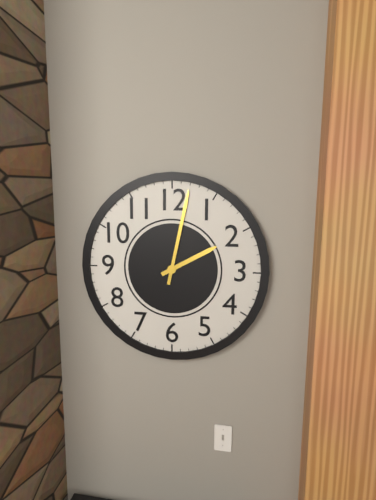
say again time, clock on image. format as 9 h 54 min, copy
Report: 2 h 02 min
